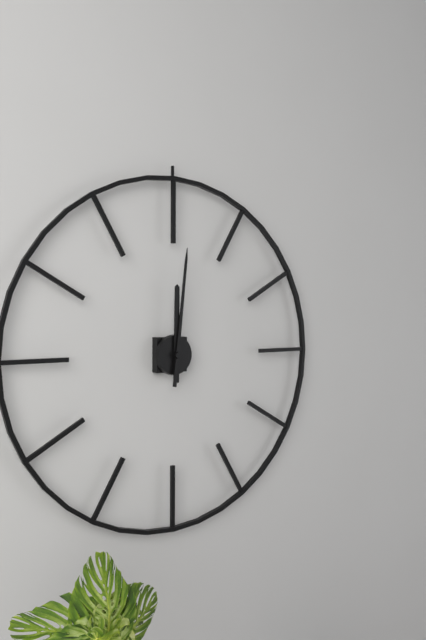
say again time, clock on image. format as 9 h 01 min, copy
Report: 12 h 01 min
